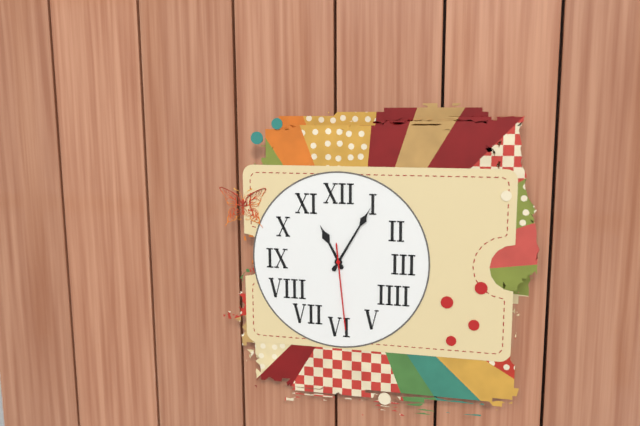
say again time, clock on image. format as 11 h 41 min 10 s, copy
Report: 11 h 05 min 29 s
